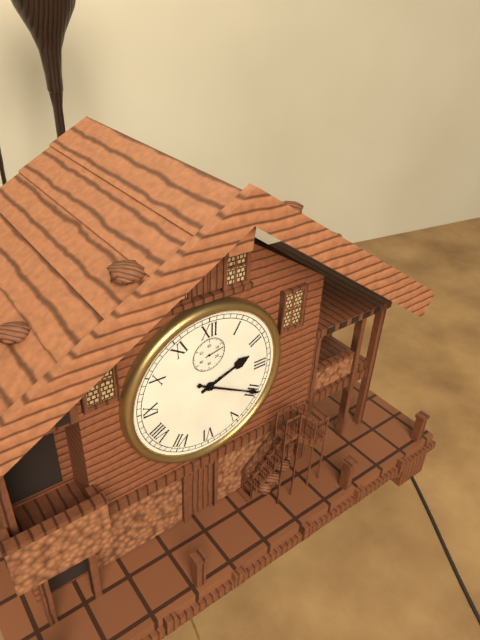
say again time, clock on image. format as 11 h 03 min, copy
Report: 2 h 20 min
